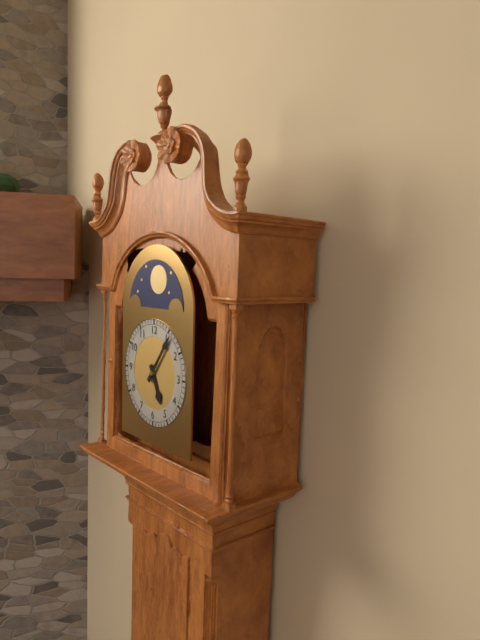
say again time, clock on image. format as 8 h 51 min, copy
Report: 5 h 06 min
